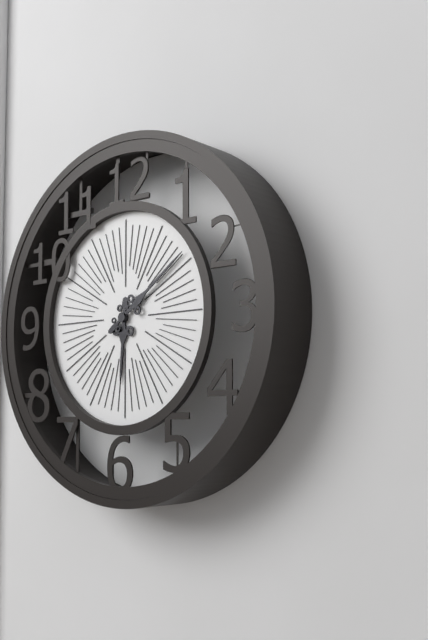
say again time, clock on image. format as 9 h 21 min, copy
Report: 6 h 09 min
